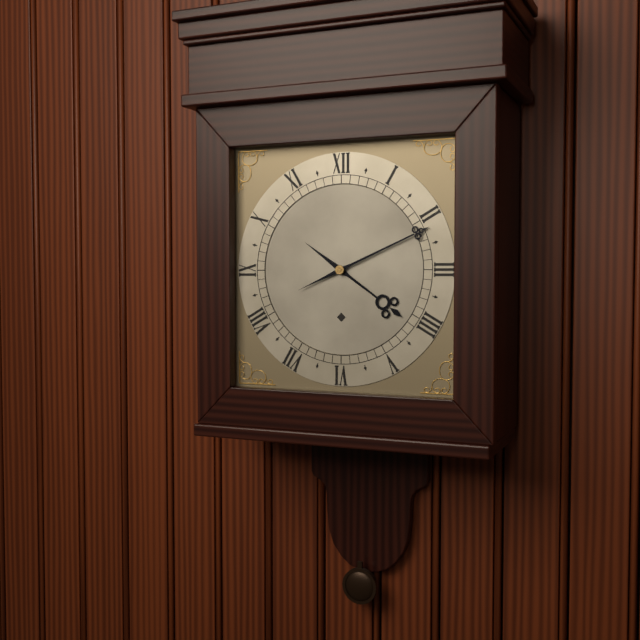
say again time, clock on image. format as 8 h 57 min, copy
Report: 4 h 11 min
